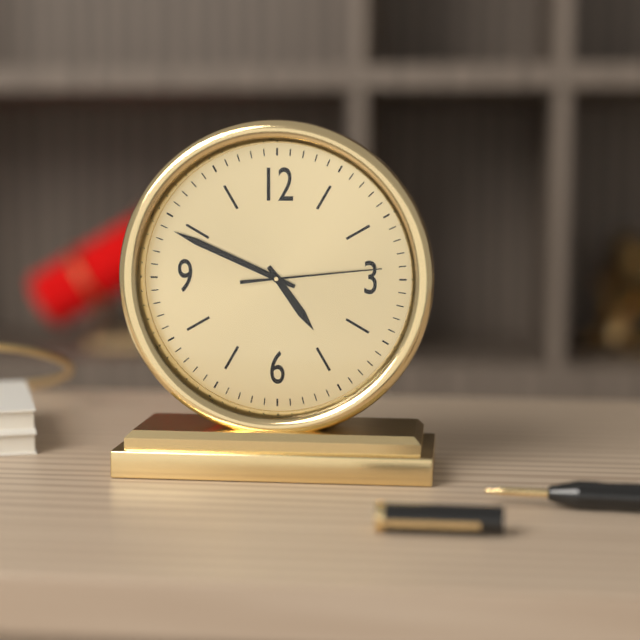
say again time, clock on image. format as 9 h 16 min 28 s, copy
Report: 4 h 49 min 14 s
